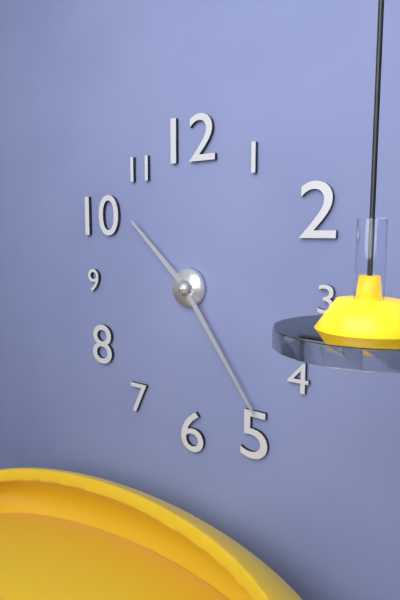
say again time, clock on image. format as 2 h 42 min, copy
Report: 10 h 24 min
